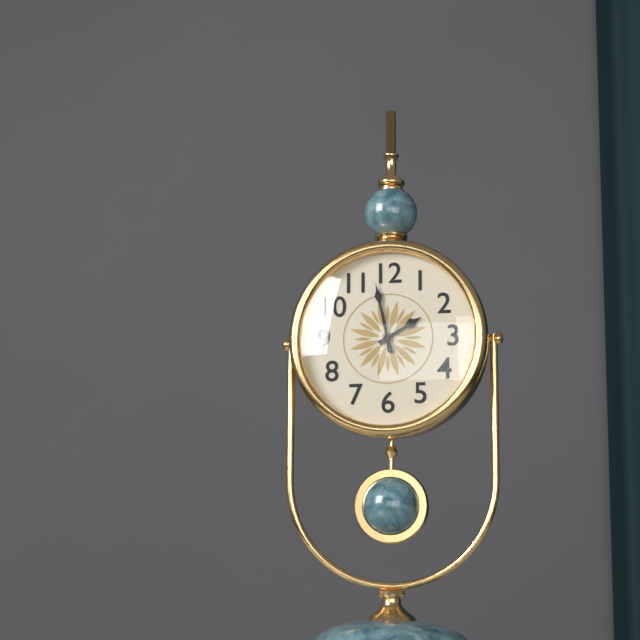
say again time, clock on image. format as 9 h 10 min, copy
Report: 1 h 58 min
